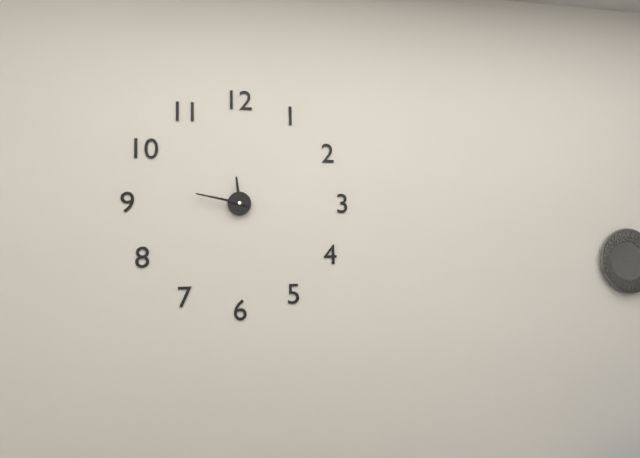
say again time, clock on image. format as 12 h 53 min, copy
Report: 11 h 47 min
